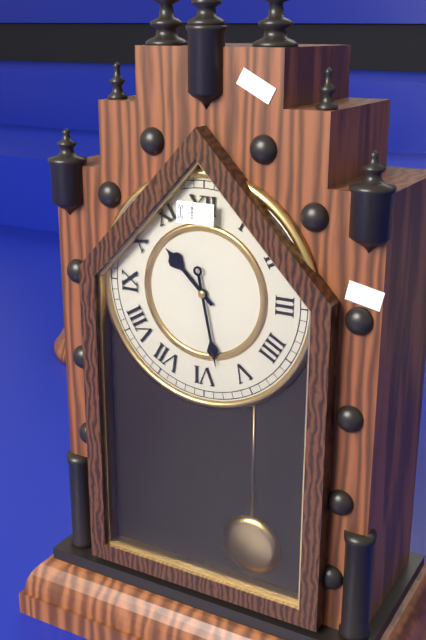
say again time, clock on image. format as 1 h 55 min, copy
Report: 10 h 28 min
